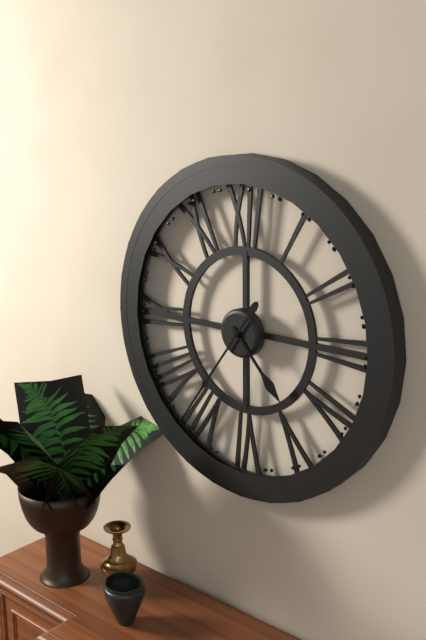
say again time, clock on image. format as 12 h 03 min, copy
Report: 4 h 36 min
